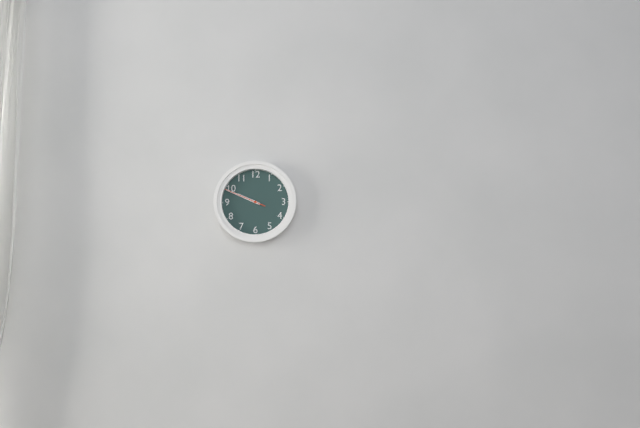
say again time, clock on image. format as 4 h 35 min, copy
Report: 9 h 49 min
